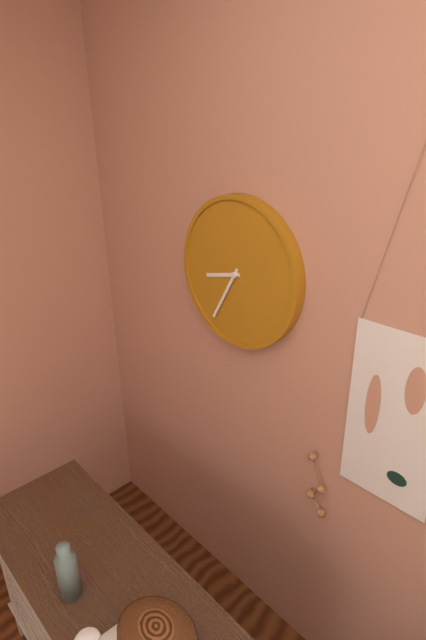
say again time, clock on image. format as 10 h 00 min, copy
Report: 8 h 35 min
